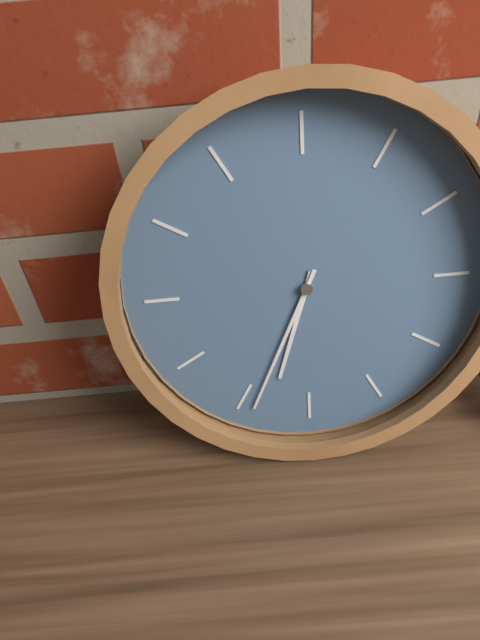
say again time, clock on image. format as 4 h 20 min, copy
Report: 6 h 34 min
